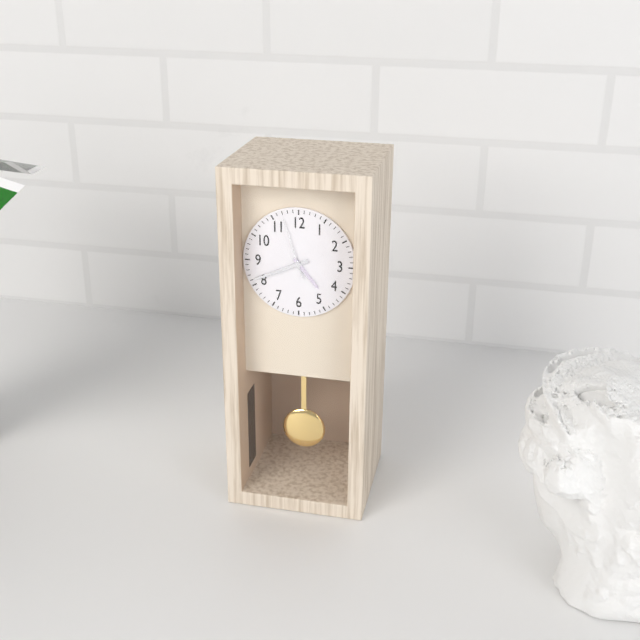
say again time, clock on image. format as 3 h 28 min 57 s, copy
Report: 4 h 41 min 57 s
